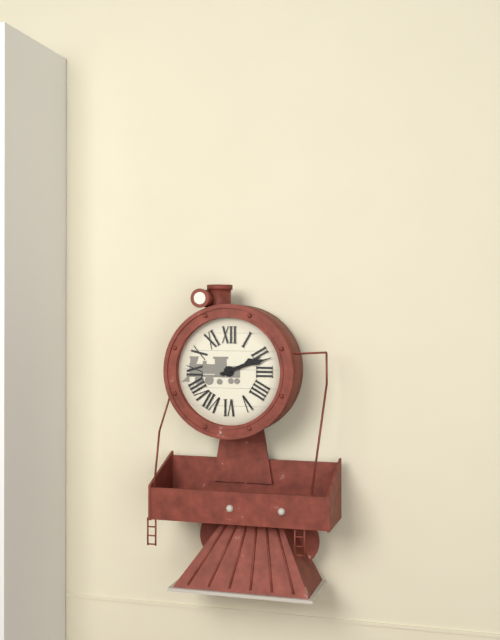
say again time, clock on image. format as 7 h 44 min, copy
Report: 2 h 12 min
